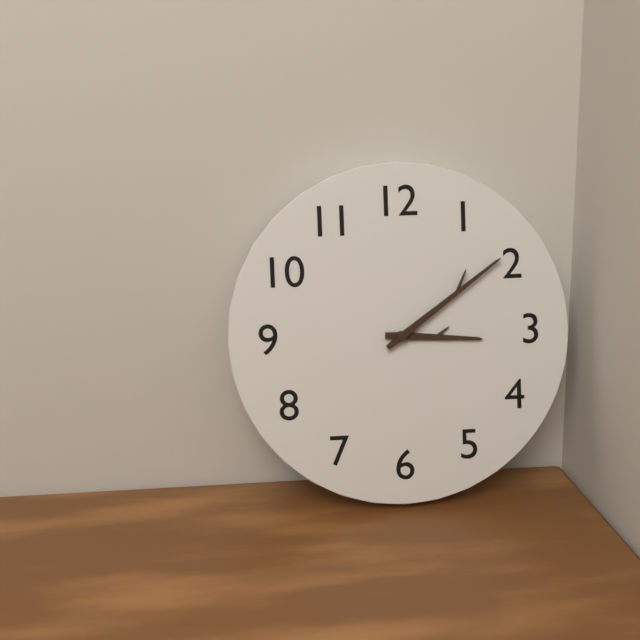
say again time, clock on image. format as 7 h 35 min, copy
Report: 3 h 09 min
